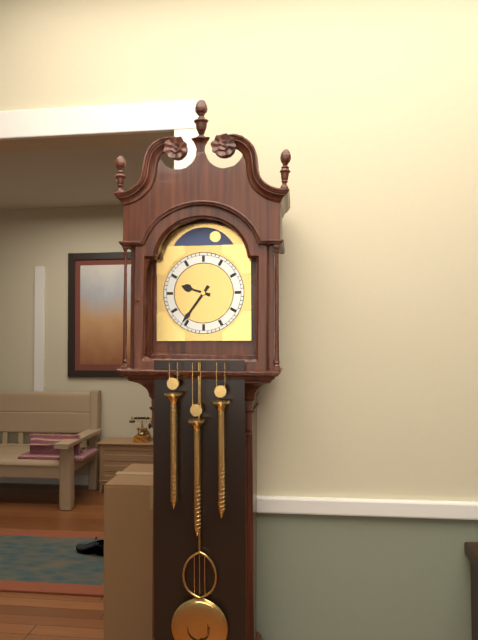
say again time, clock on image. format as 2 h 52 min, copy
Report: 9 h 36 min
